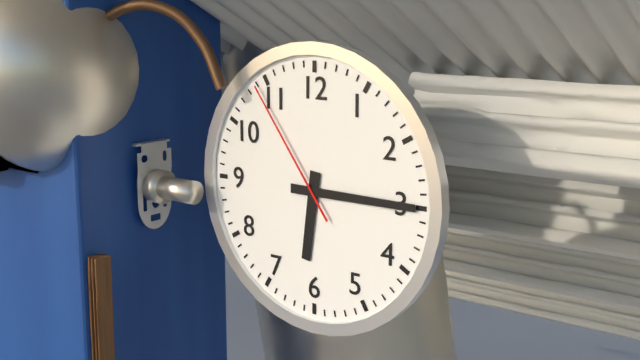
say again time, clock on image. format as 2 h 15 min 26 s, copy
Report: 6 h 15 min 54 s
